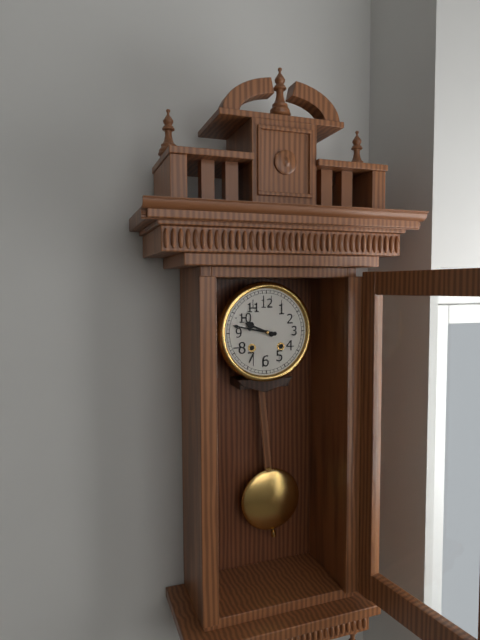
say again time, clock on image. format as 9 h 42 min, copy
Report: 9 h 47 min
